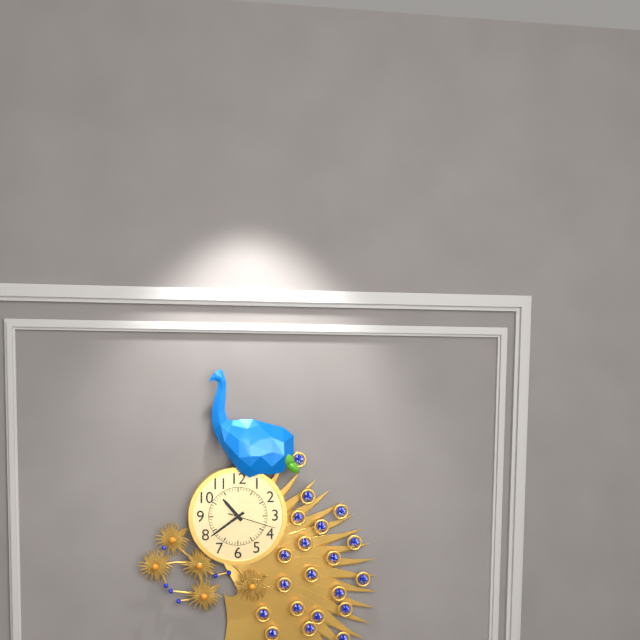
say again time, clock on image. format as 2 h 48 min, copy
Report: 10 h 39 min
